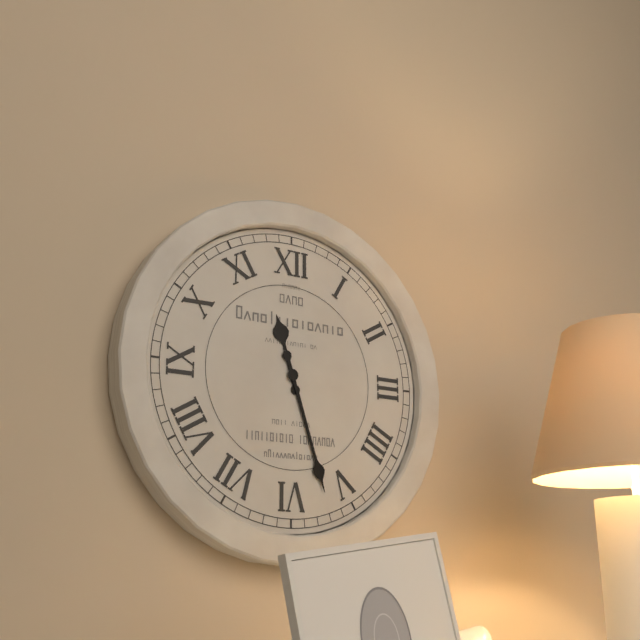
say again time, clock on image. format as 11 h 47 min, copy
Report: 11 h 27 min
